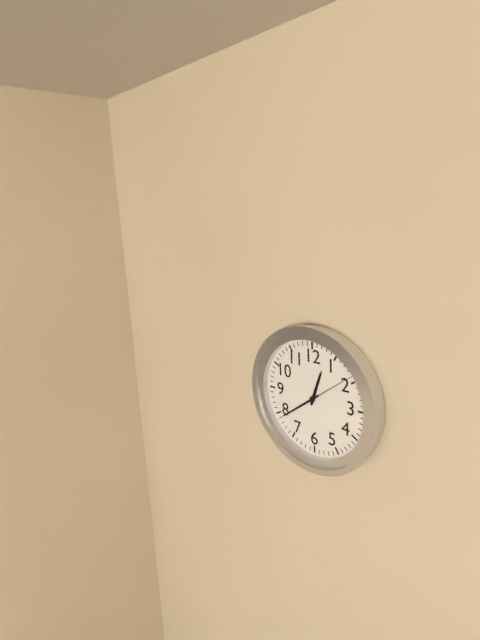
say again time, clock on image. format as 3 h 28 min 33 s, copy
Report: 12 h 39 min 09 s
